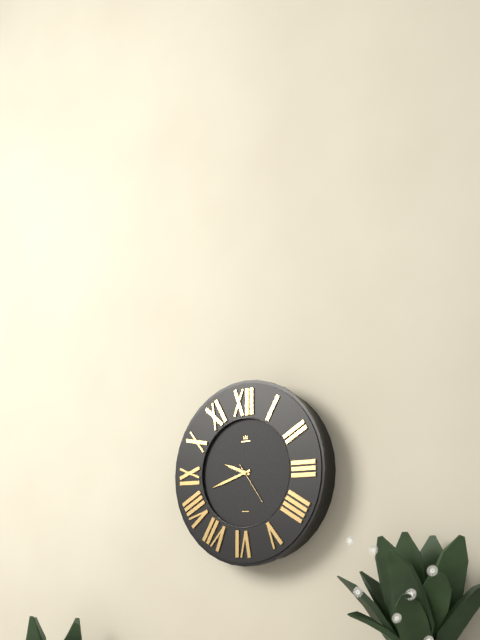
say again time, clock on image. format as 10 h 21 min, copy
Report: 9 h 42 min
